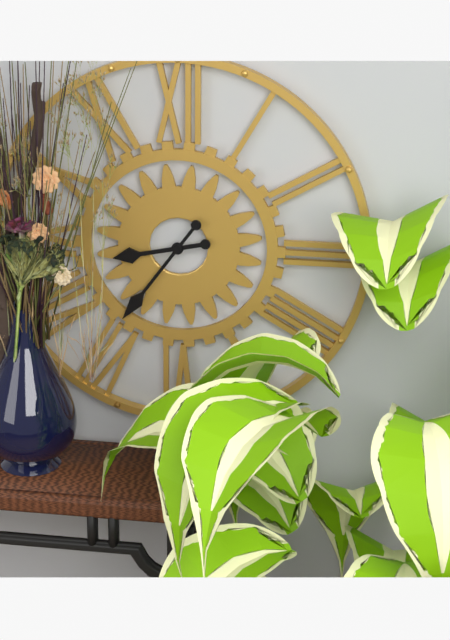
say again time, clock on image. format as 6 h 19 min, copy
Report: 8 h 36 min
